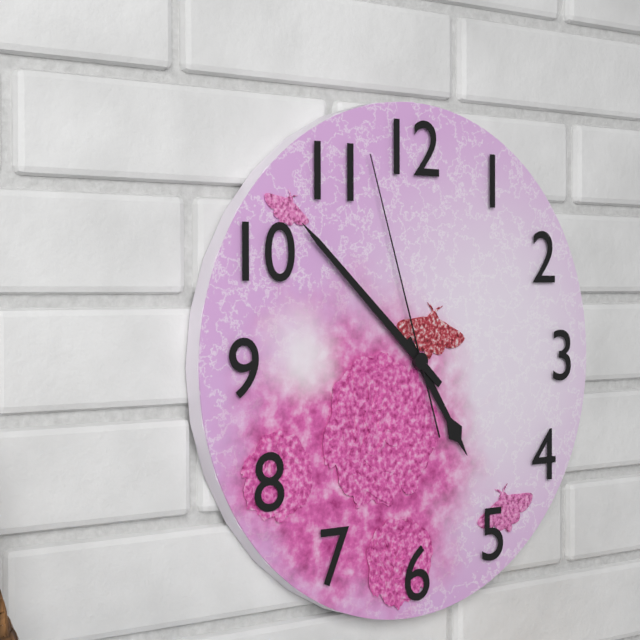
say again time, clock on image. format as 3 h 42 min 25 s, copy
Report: 4 h 52 min 57 s
